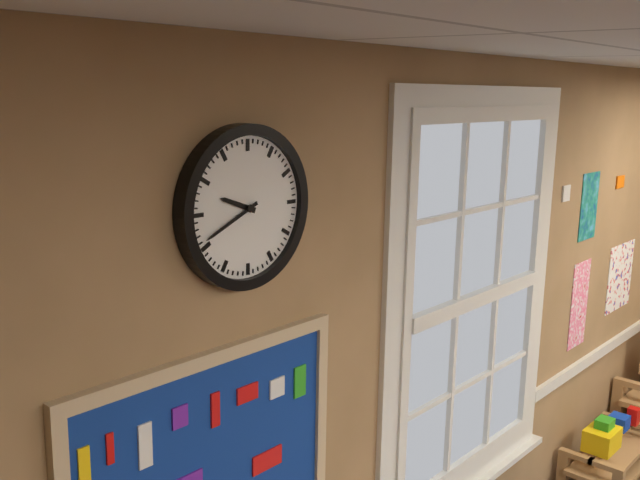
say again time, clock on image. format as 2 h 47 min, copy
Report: 9 h 41 min
